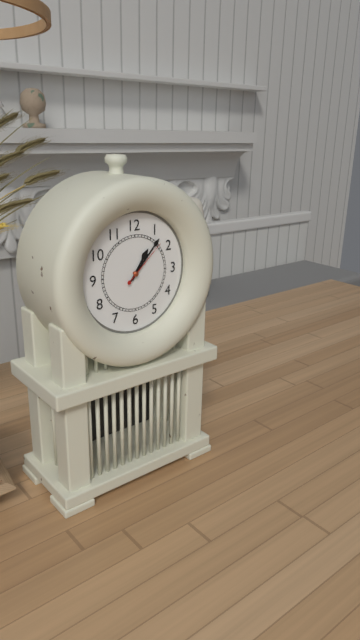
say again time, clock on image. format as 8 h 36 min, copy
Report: 1 h 07 min
